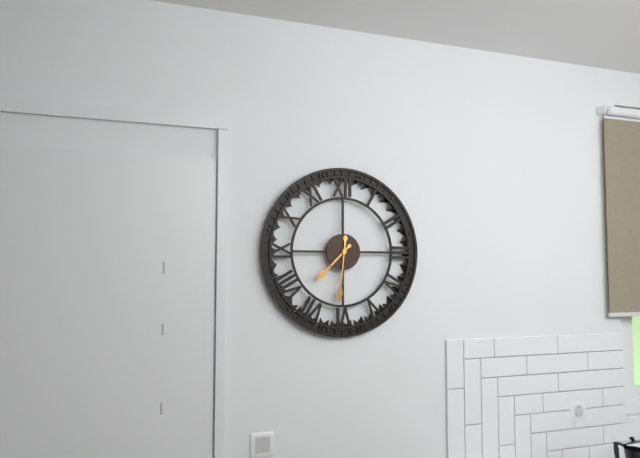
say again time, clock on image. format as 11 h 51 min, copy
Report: 7 h 31 min
